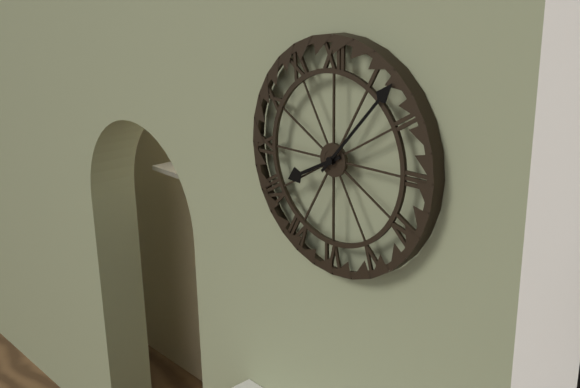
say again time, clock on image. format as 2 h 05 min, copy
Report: 8 h 07 min
